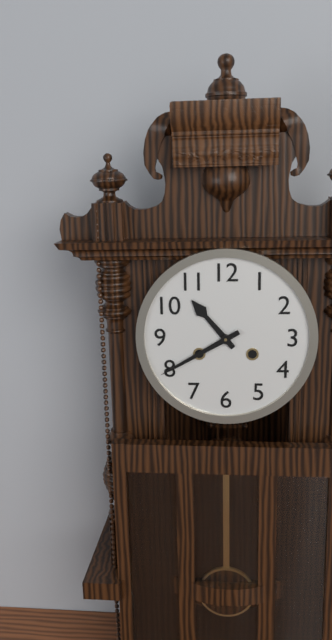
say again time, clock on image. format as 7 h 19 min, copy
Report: 10 h 40 min
